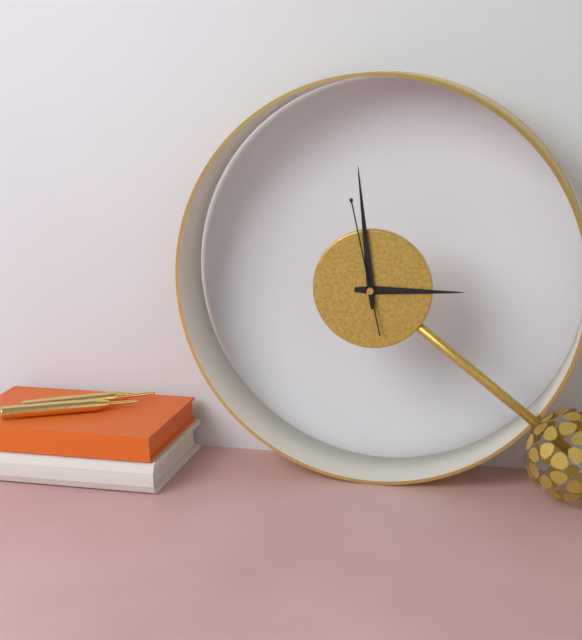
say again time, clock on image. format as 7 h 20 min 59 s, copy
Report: 2 h 59 min 58 s
